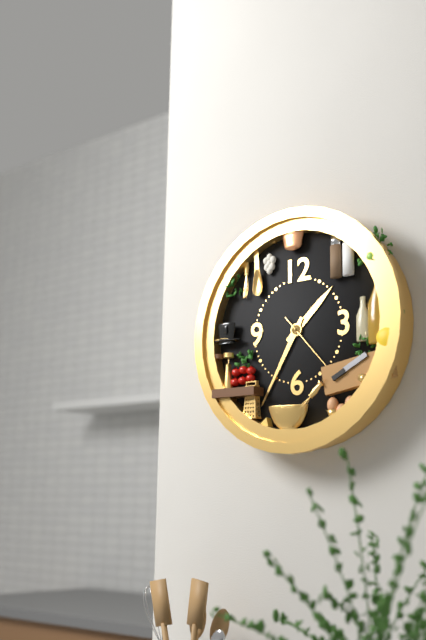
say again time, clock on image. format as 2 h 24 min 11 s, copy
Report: 1 h 35 min 23 s
